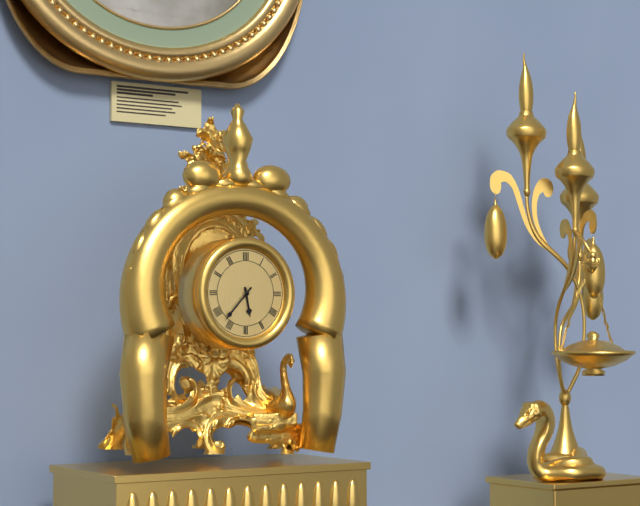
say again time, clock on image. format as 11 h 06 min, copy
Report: 5 h 37 min
